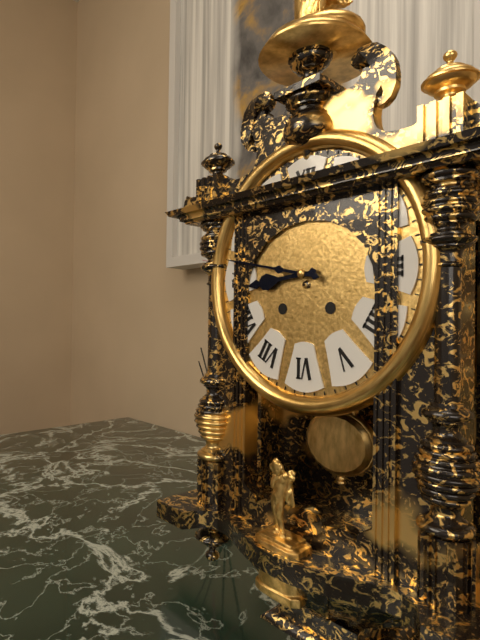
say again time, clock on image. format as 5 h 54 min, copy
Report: 8 h 47 min
